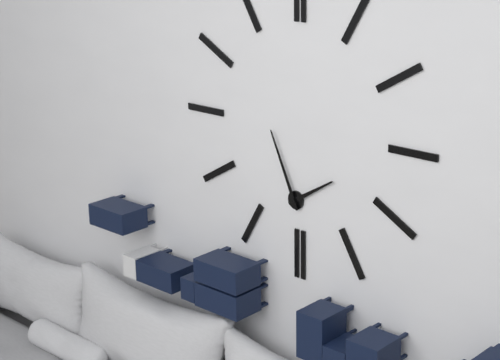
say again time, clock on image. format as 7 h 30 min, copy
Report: 1 h 56 min
